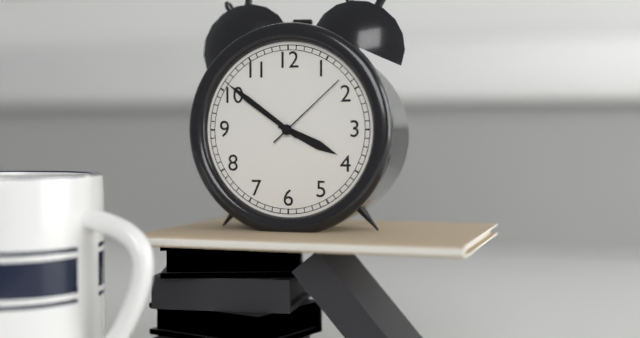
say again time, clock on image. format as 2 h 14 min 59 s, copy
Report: 3 h 51 min 08 s
